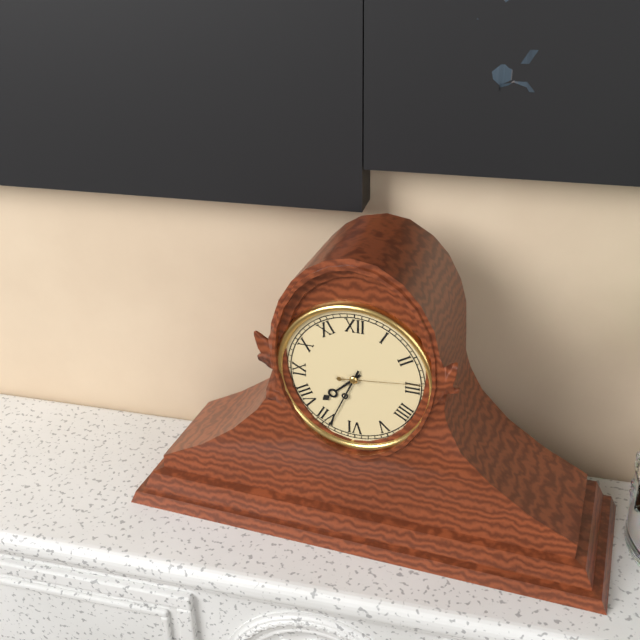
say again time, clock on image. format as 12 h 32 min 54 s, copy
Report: 7 h 34 min 14 s
